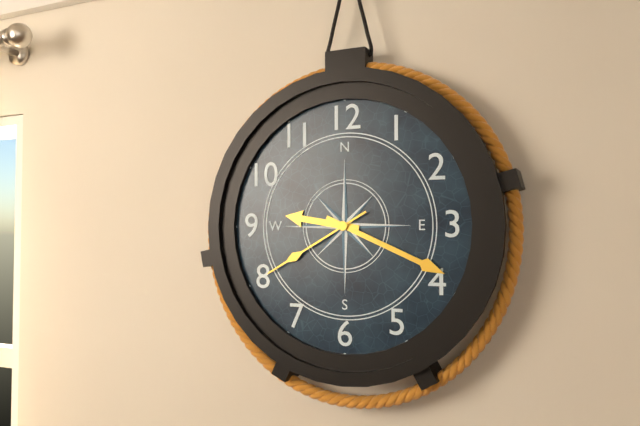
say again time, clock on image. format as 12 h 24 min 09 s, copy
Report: 9 h 19 min 40 s
